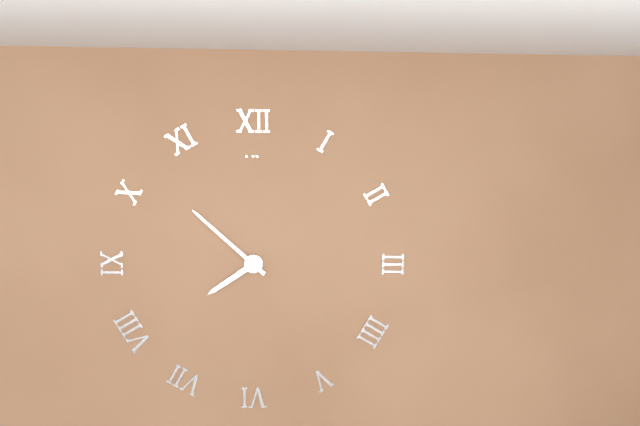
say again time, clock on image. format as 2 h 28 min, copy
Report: 7 h 52 min
